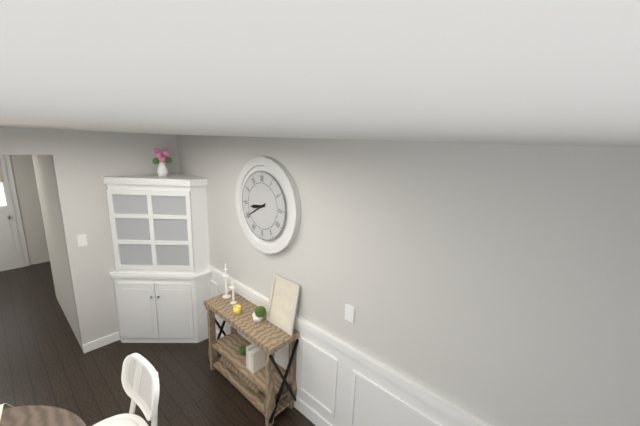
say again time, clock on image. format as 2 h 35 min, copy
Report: 8 h 40 min
